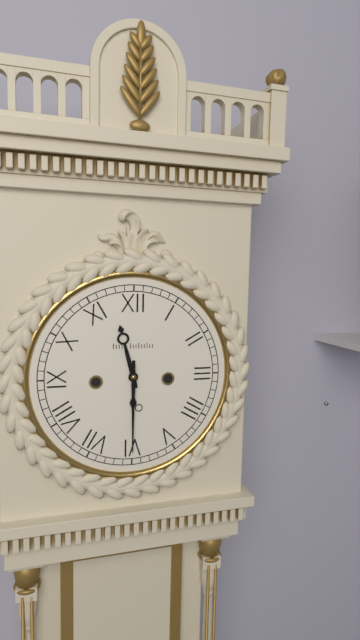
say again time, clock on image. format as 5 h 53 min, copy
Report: 11 h 30 min
